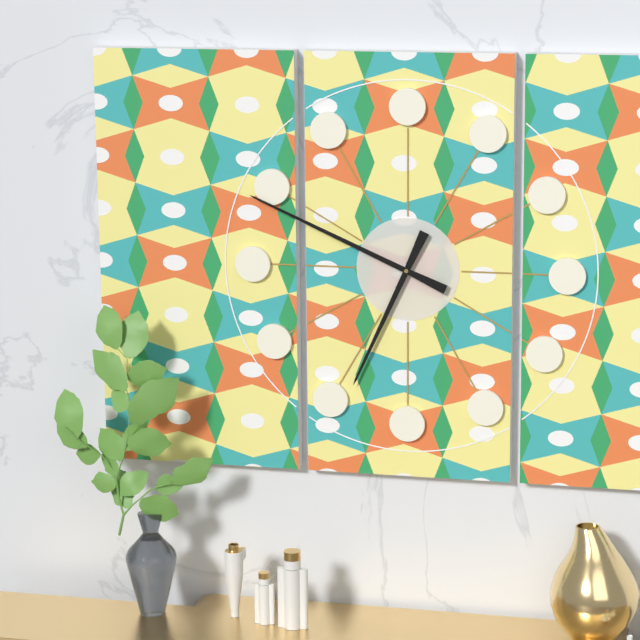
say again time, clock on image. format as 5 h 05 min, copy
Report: 6 h 49 min
